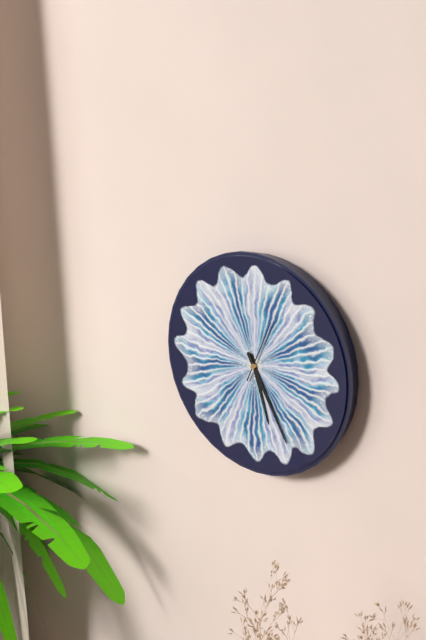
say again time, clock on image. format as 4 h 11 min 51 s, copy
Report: 5 h 25 min 04 s
